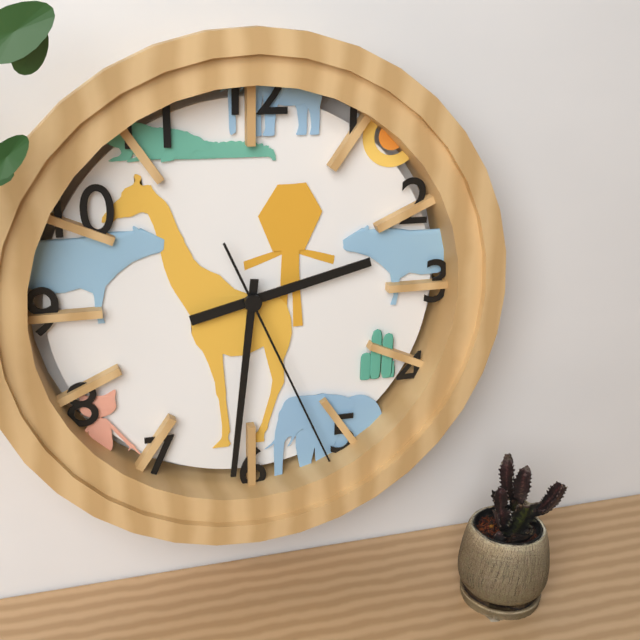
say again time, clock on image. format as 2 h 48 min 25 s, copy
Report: 2 h 31 min 26 s
